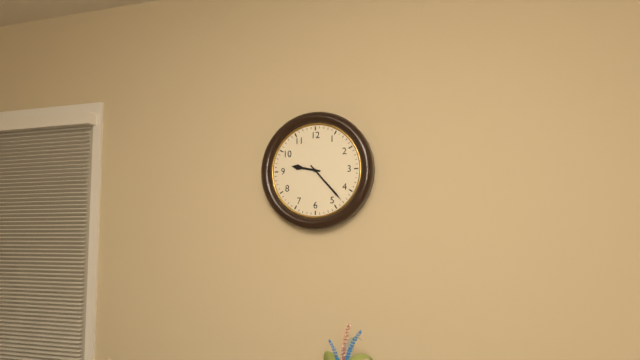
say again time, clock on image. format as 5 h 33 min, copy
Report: 9 h 23 min
